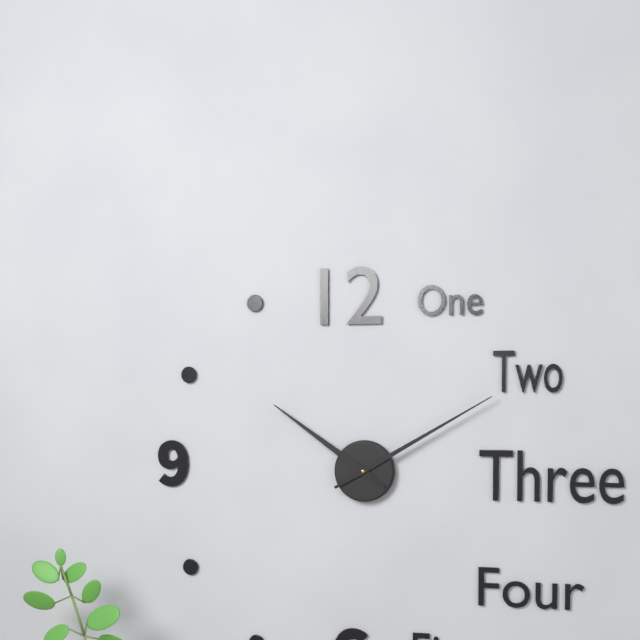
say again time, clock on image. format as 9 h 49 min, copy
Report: 10 h 10 min
